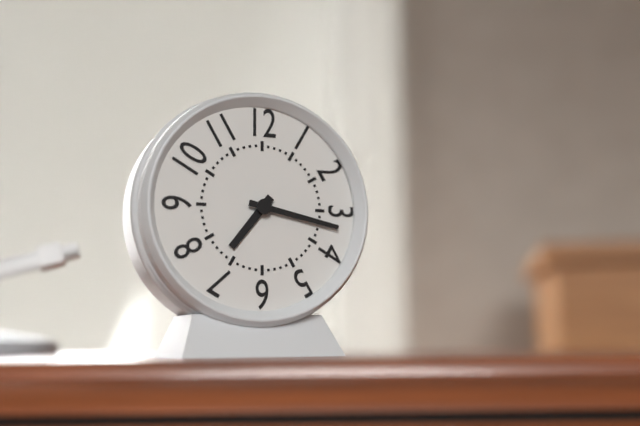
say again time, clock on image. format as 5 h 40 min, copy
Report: 7 h 17 min
